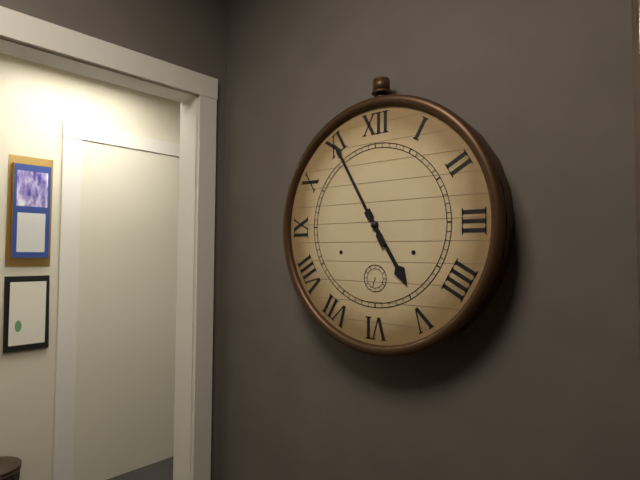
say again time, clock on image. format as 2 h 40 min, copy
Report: 4 h 55 min
